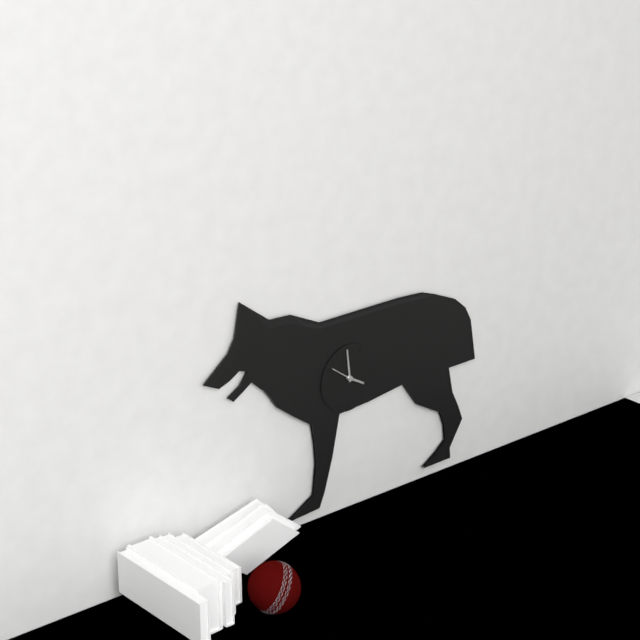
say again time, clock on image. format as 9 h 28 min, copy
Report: 3 h 59 min
